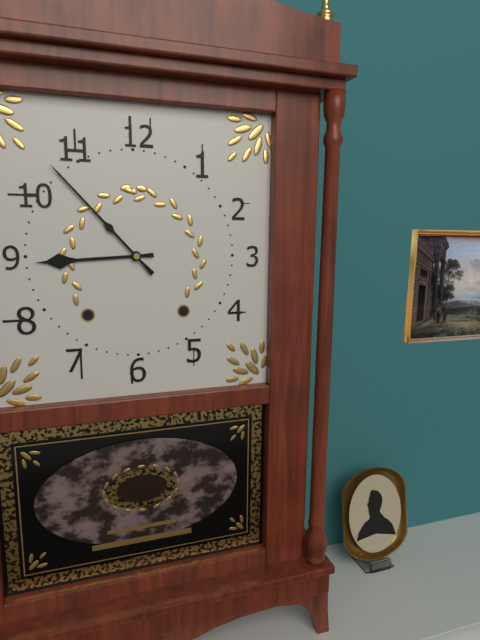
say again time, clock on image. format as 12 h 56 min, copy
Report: 8 h 53 min
